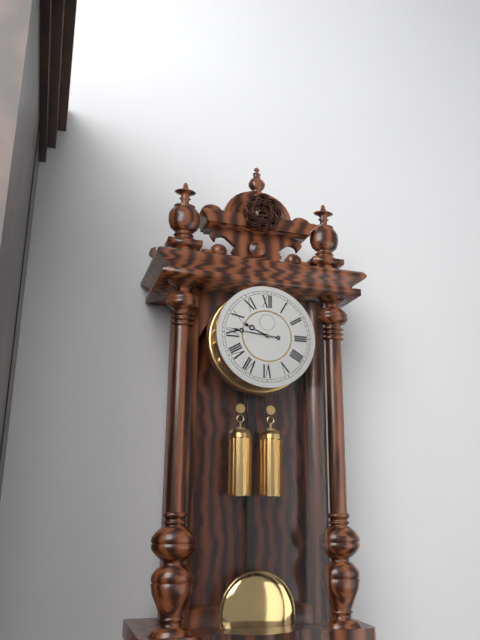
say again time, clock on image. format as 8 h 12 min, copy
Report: 9 h 46 min
